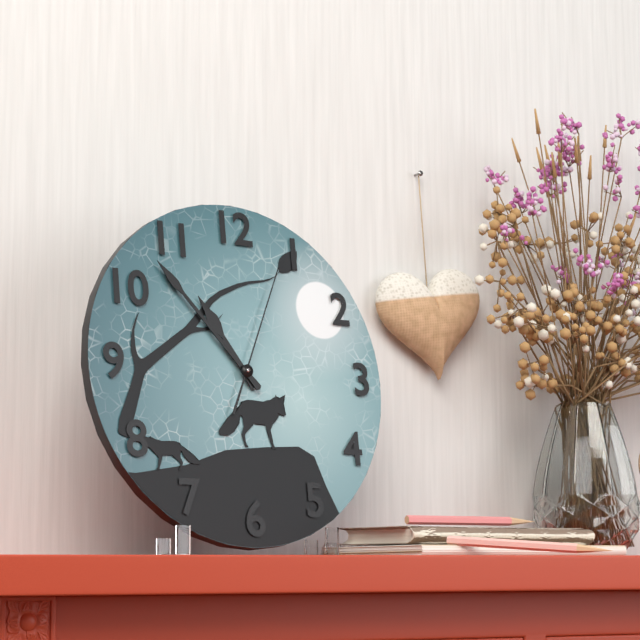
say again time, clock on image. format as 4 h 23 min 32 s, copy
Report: 10 h 53 min 04 s
